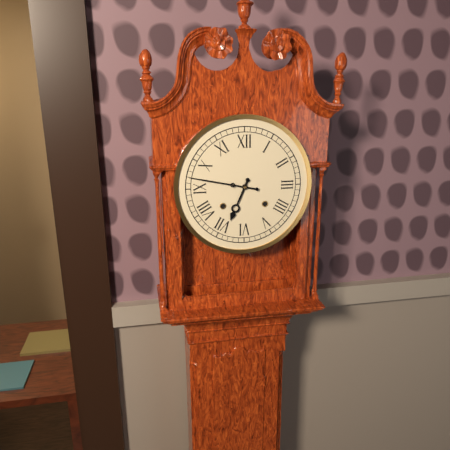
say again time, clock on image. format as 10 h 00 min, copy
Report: 6 h 47 min
